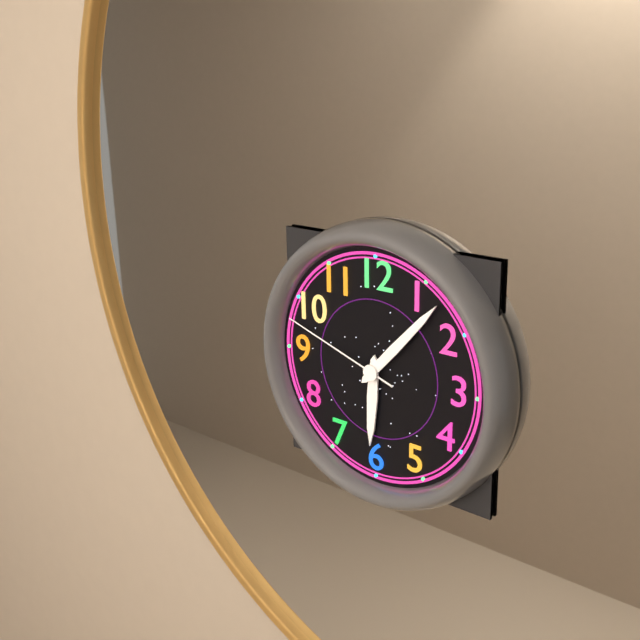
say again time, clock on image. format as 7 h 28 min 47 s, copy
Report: 6 h 07 min 48 s
